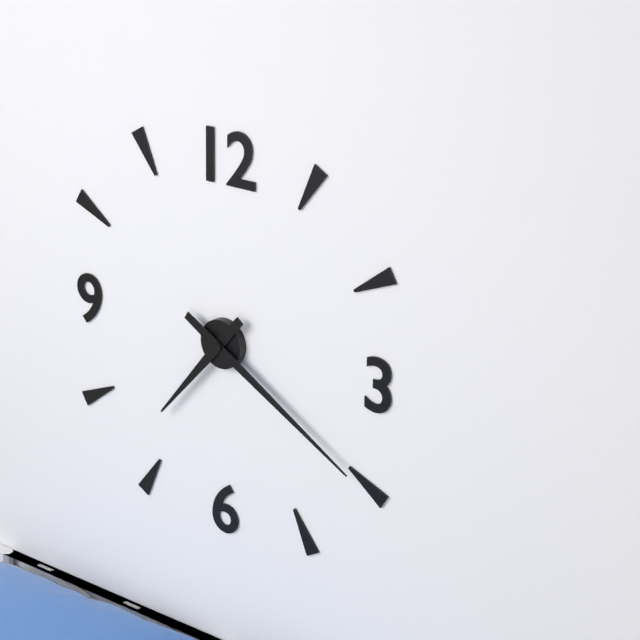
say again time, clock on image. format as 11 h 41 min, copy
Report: 7 h 20 min
